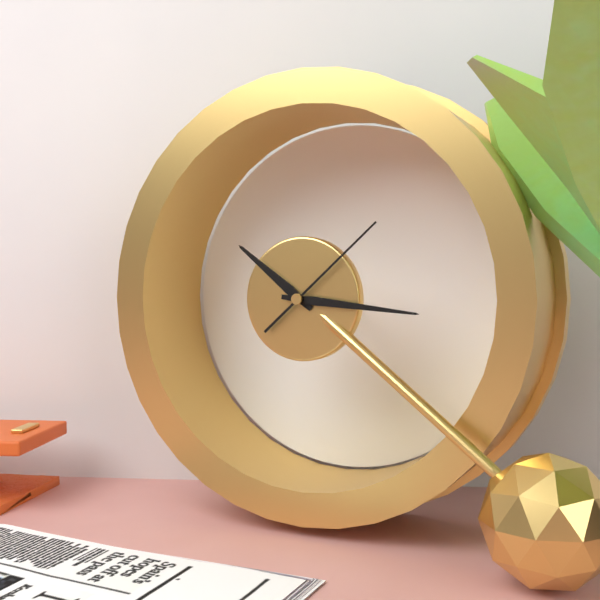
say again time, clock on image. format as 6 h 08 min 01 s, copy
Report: 10 h 16 min 08 s
